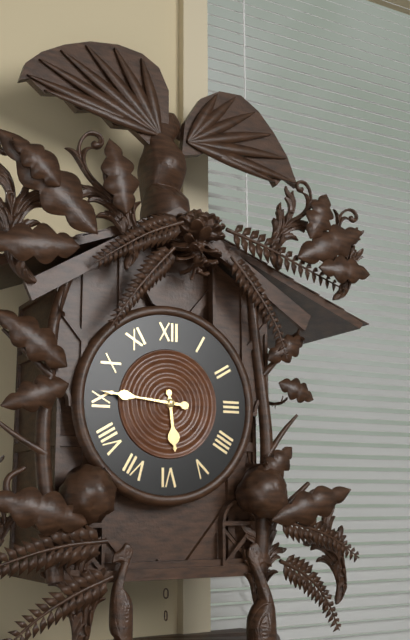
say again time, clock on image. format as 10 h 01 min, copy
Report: 5 h 46 min
